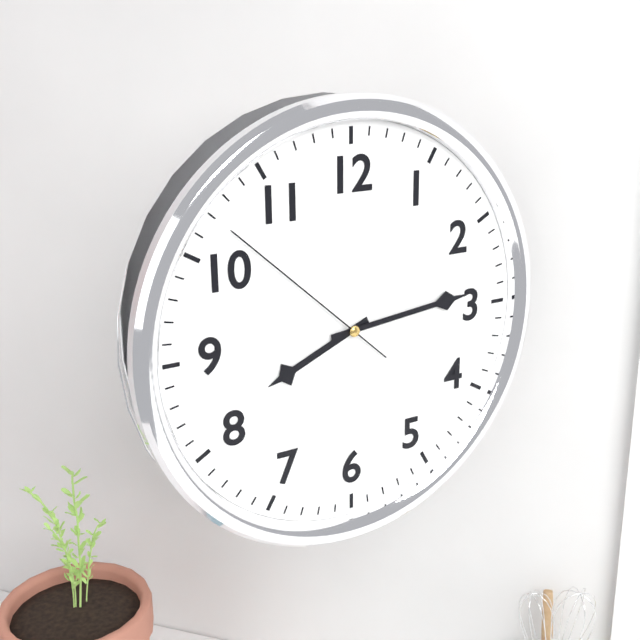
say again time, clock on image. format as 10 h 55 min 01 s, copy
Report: 8 h 14 min 52 s
